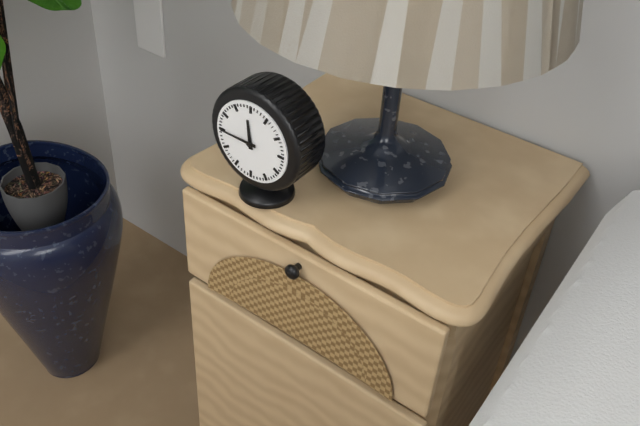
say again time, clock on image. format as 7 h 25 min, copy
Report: 11 h 45 min
